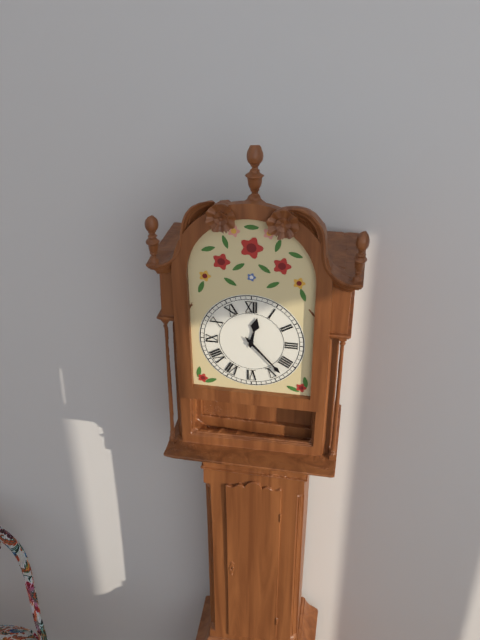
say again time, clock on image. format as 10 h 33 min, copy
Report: 12 h 23 min
